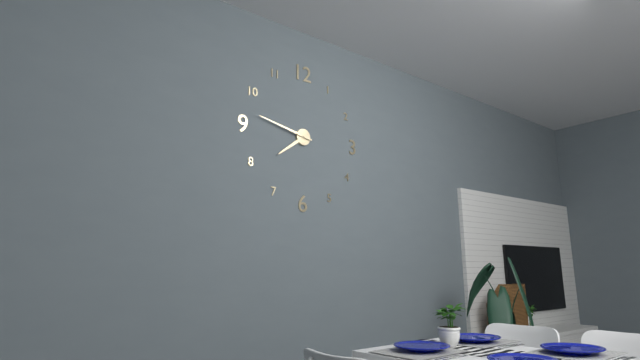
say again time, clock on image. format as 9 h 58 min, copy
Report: 7 h 47 min
